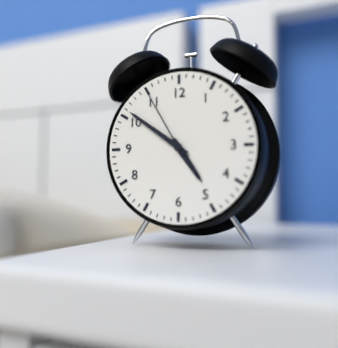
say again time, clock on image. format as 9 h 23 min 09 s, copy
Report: 4 h 51 min 55 s
